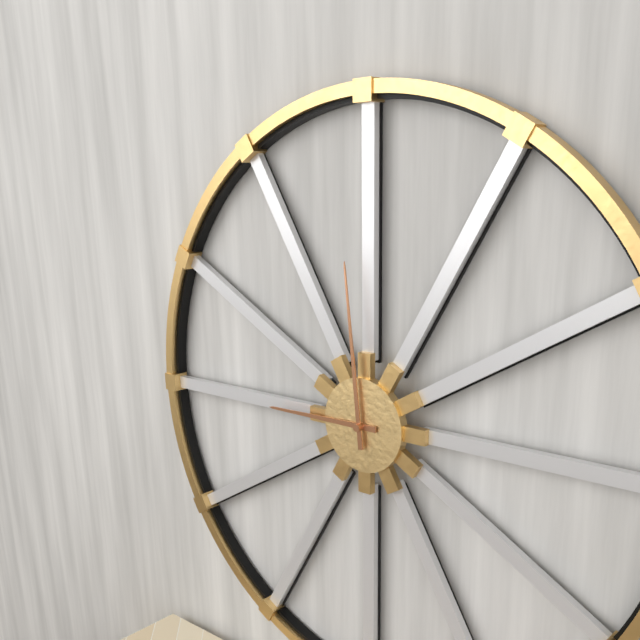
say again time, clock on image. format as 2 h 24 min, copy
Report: 8 h 59 min
